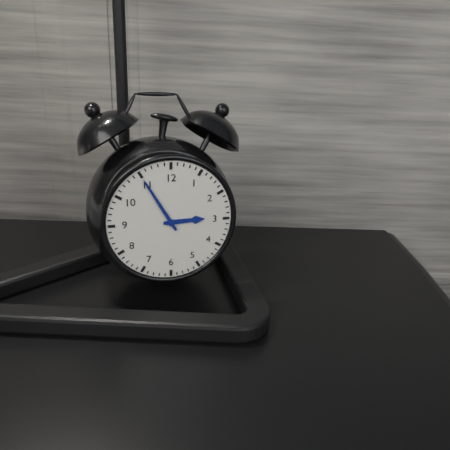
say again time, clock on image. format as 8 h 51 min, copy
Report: 2 h 55 min
